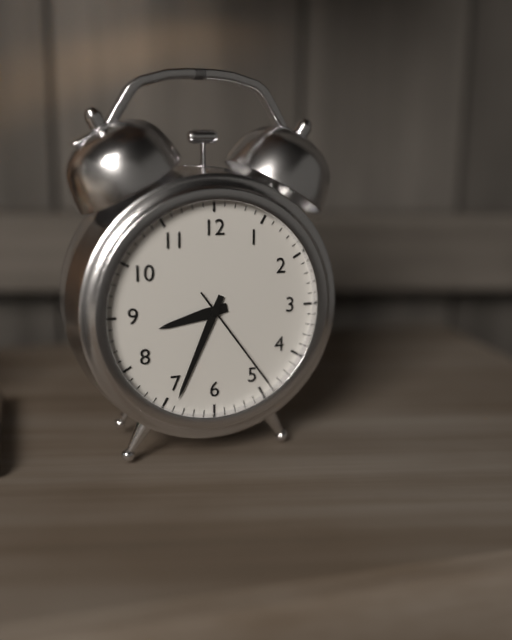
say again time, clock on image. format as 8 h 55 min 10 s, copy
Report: 8 h 34 min 24 s
